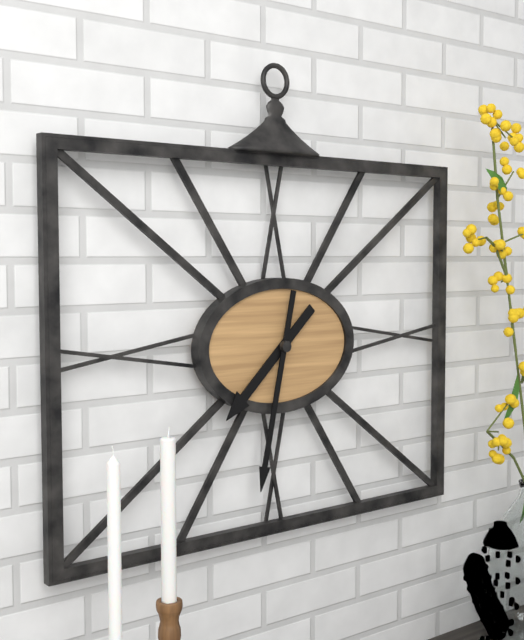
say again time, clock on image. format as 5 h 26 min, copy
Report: 7 h 32 min
